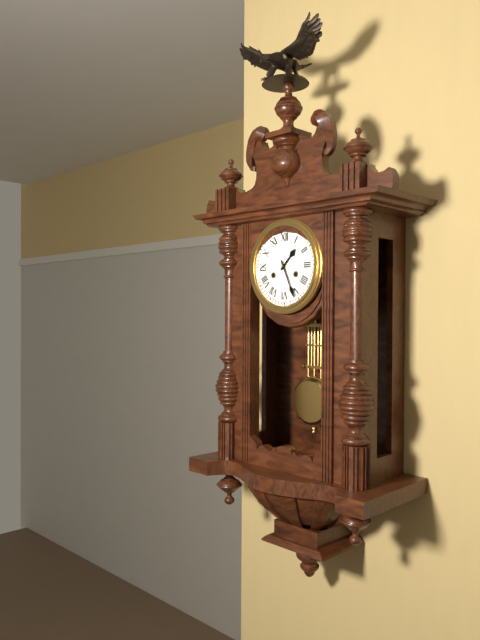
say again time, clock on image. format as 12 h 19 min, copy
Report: 1 h 26 min
